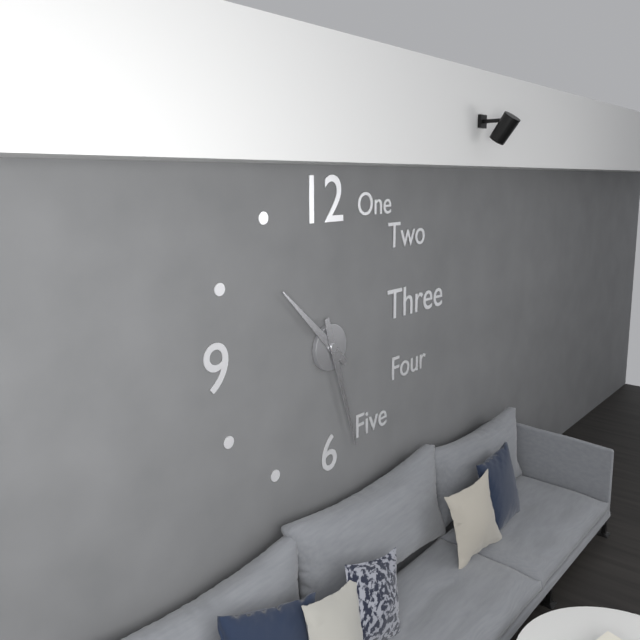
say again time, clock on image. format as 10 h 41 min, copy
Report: 10 h 27 min
